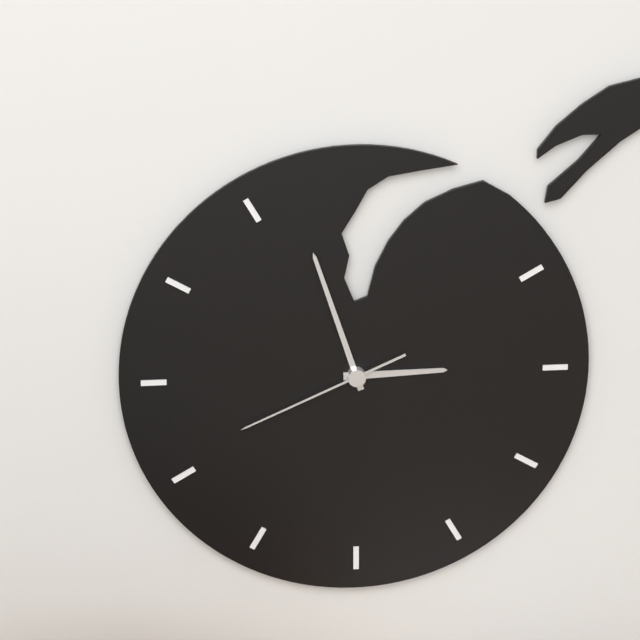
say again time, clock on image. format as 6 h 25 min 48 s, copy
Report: 2 h 57 min 41 s
